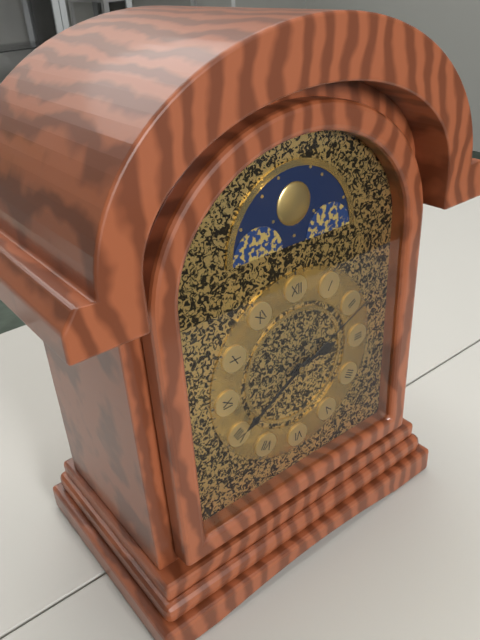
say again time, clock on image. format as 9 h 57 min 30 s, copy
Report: 2 h 40 min 11 s
